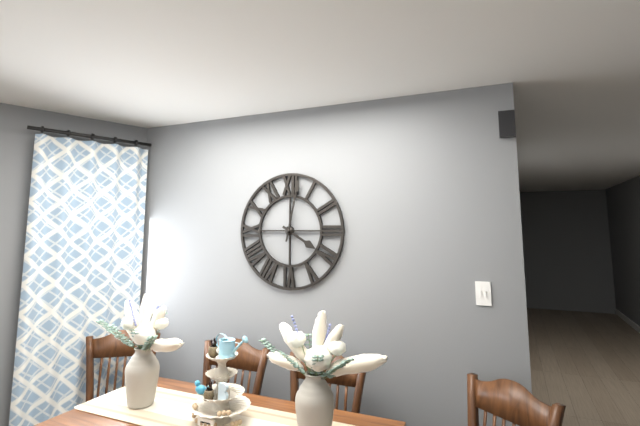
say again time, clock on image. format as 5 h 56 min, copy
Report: 4 h 02 min
